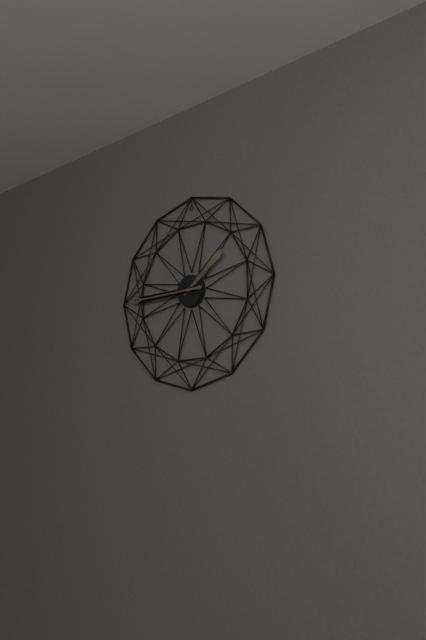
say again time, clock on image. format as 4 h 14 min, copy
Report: 1 h 45 min
